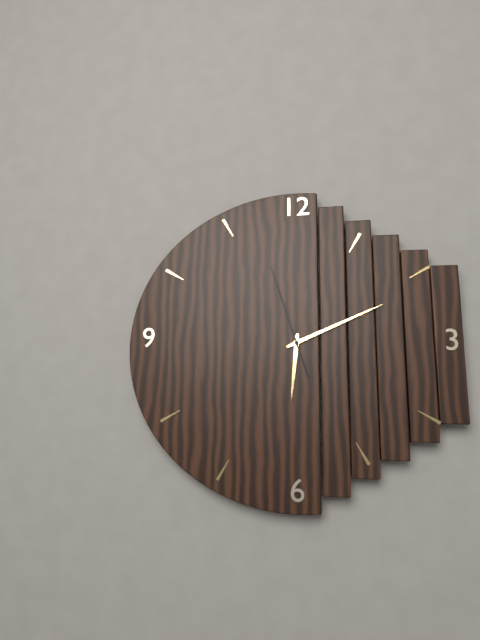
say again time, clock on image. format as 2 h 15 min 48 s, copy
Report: 6 h 11 min 57 s
